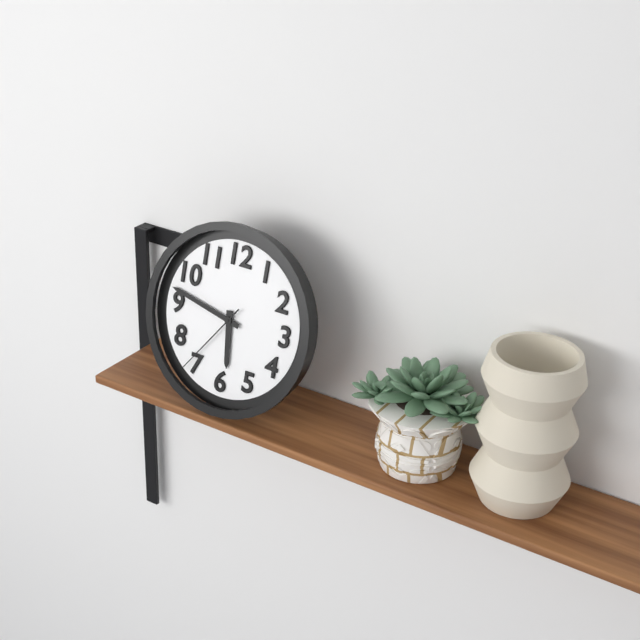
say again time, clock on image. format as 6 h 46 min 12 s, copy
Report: 5 h 47 min 36 s
